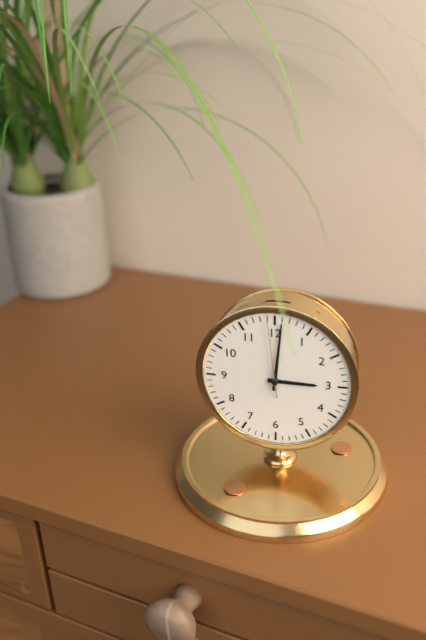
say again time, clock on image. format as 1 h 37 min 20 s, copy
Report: 3 h 01 min 59 s
